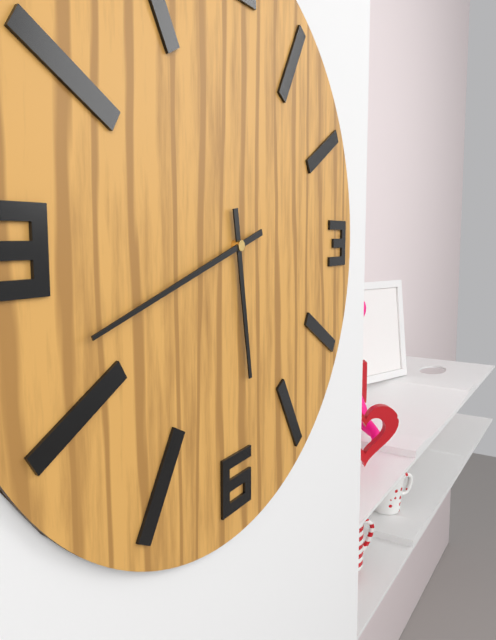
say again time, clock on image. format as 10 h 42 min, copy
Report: 5 h 42 min
